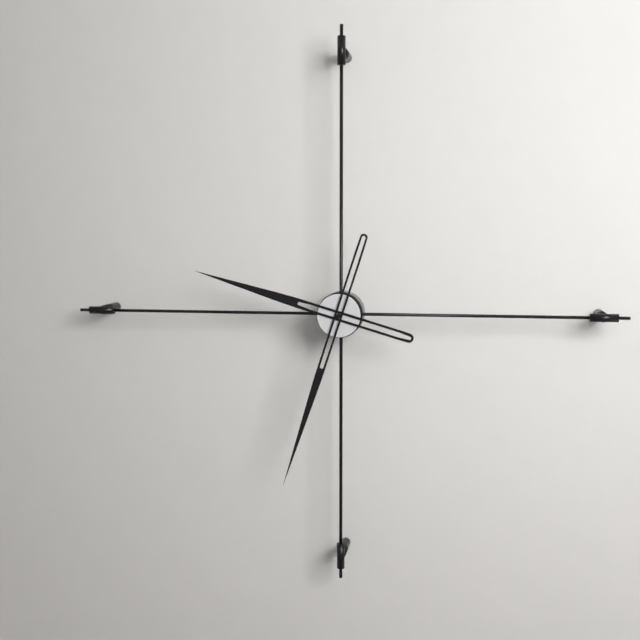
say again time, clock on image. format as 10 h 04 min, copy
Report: 9 h 33 min
